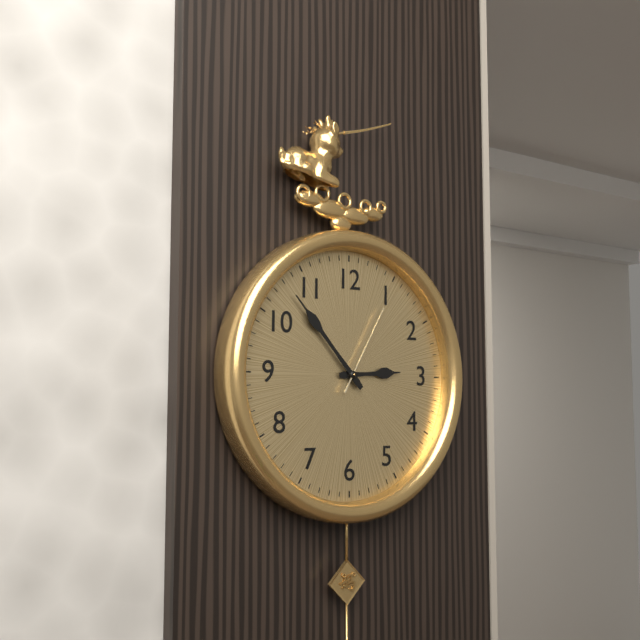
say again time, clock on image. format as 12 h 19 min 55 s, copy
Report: 2 h 53 min 05 s
